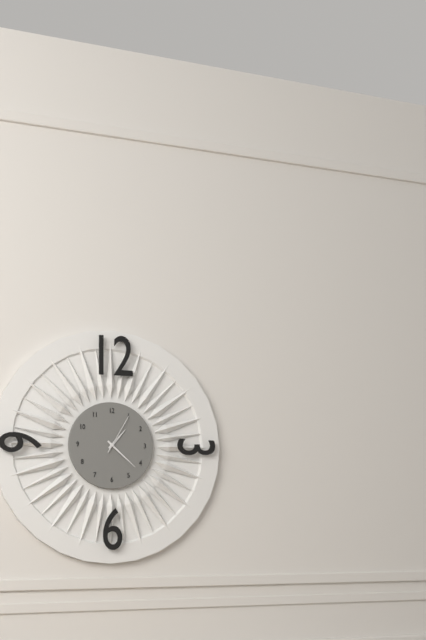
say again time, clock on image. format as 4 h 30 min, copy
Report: 1 h 22 min
